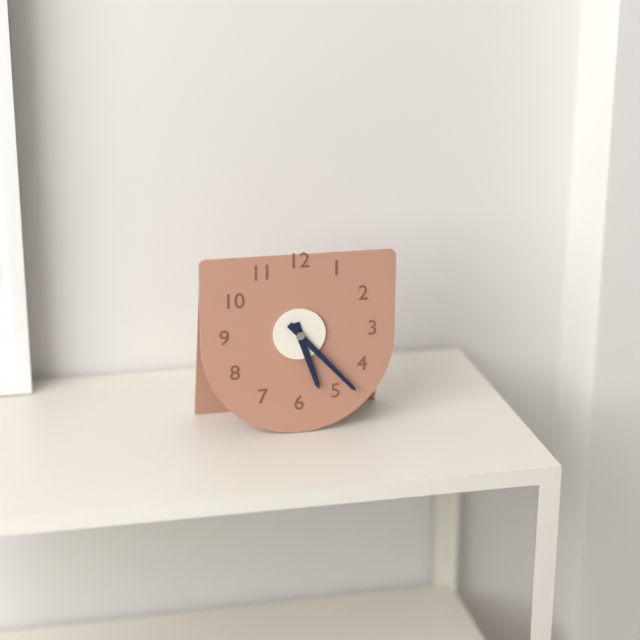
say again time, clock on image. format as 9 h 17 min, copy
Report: 5 h 23 min
